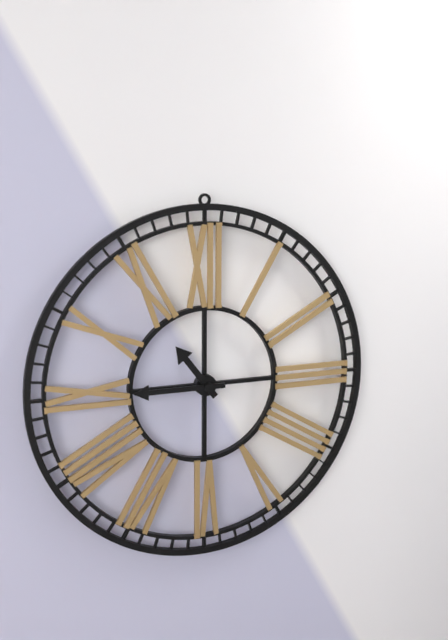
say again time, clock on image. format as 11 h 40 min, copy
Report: 10 h 45 min
